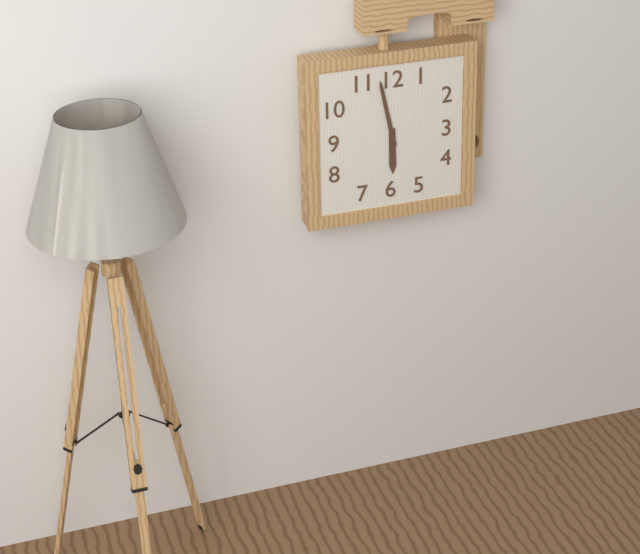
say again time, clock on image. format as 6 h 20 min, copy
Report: 5 h 58 min
